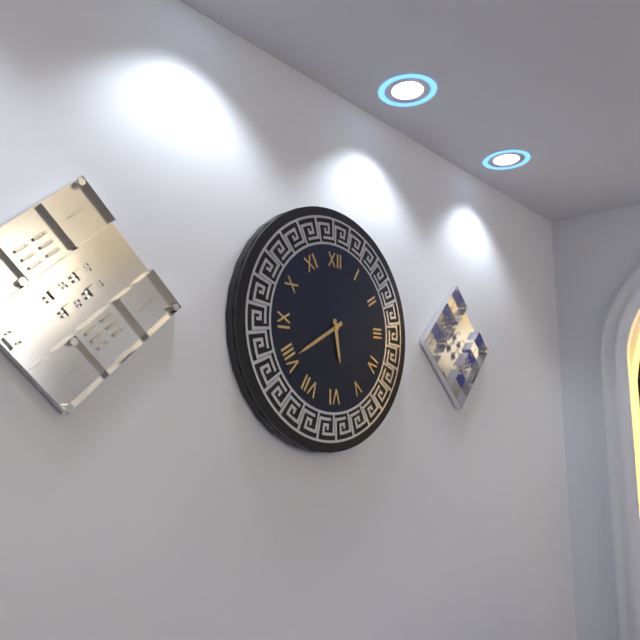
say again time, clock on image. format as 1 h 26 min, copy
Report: 5 h 40 min
